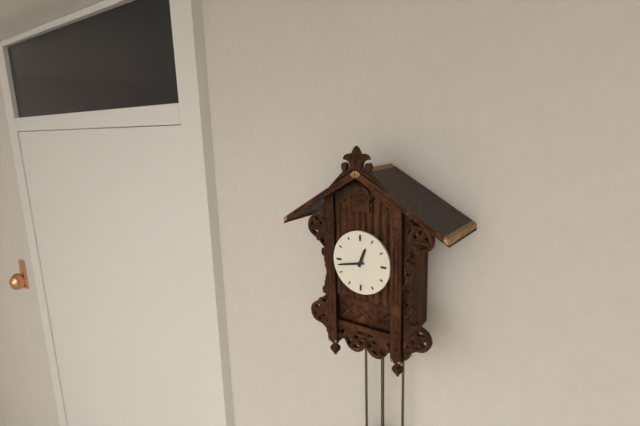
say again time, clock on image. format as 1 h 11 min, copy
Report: 12 h 43 min
